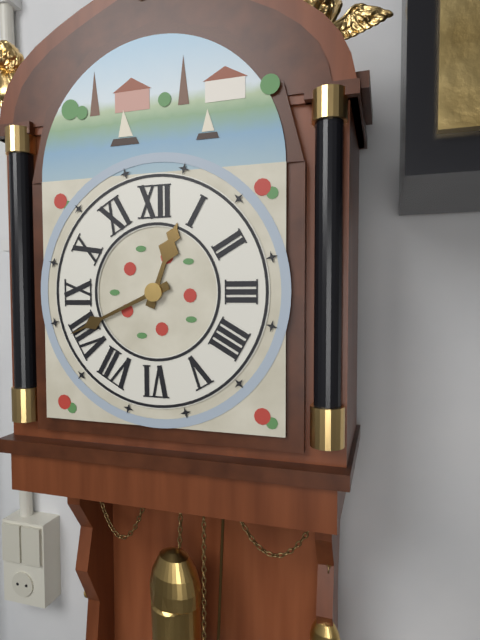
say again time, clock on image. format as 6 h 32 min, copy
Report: 12 h 41 min
